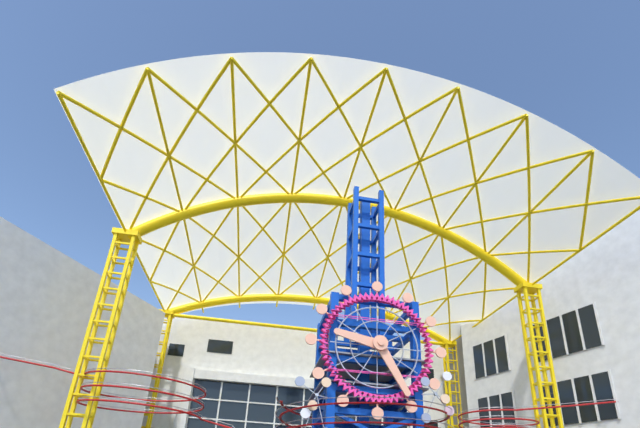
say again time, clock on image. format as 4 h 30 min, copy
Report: 9 h 25 min
